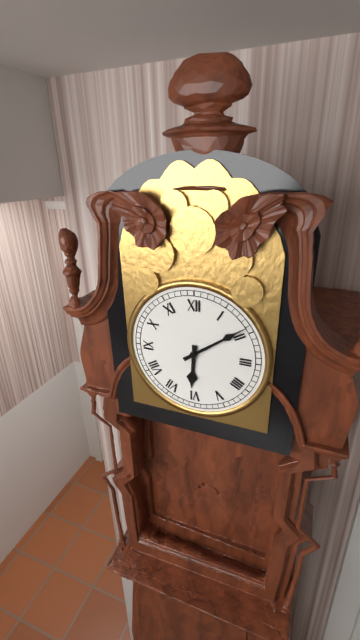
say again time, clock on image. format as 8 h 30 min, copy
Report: 6 h 09 min
